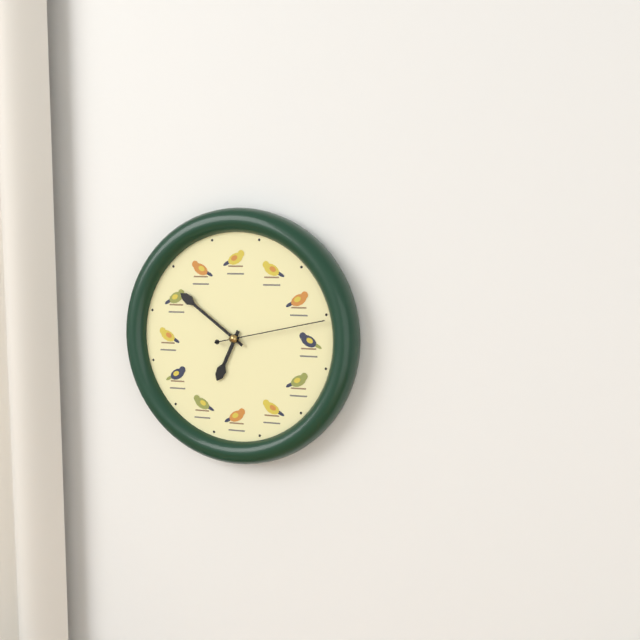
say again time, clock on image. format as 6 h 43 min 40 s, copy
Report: 6 h 51 min 13 s
